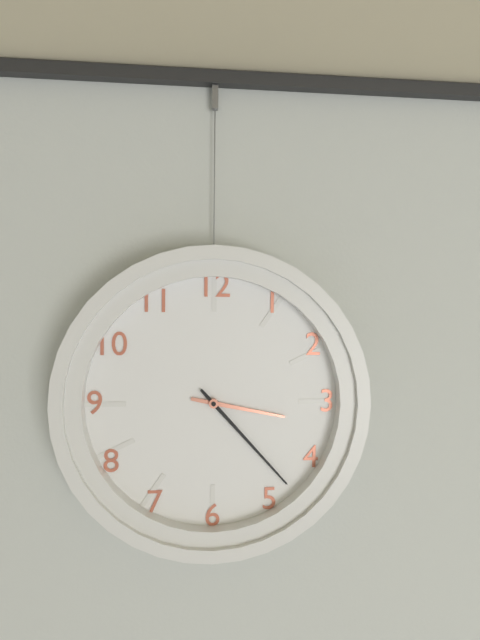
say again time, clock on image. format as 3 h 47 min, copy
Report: 3 h 23 min
